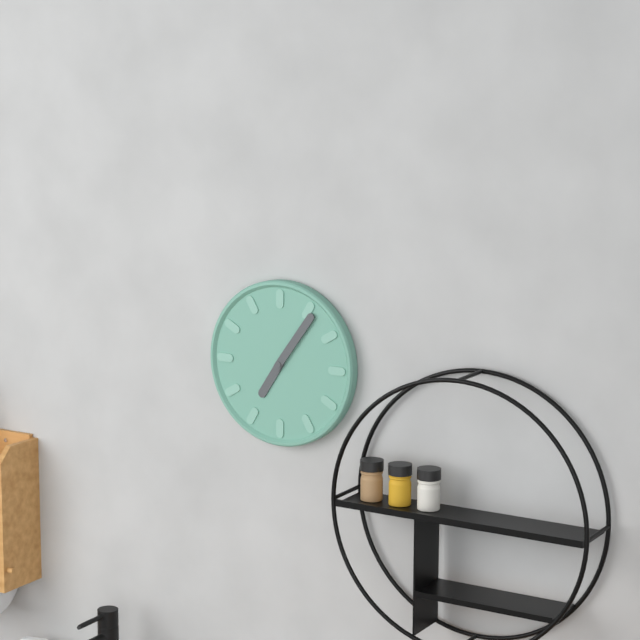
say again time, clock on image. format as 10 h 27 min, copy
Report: 7 h 06 min
